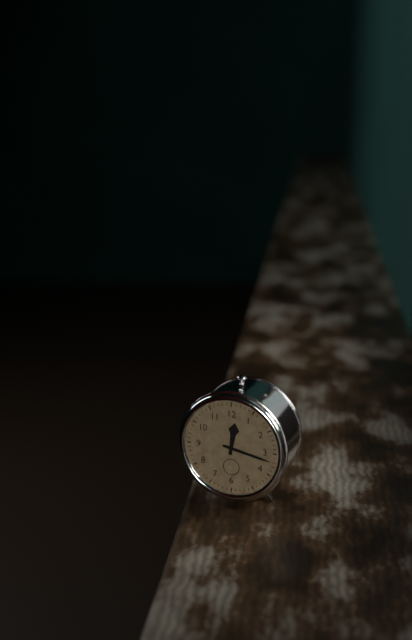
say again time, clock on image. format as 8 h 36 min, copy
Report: 12 h 17 min
